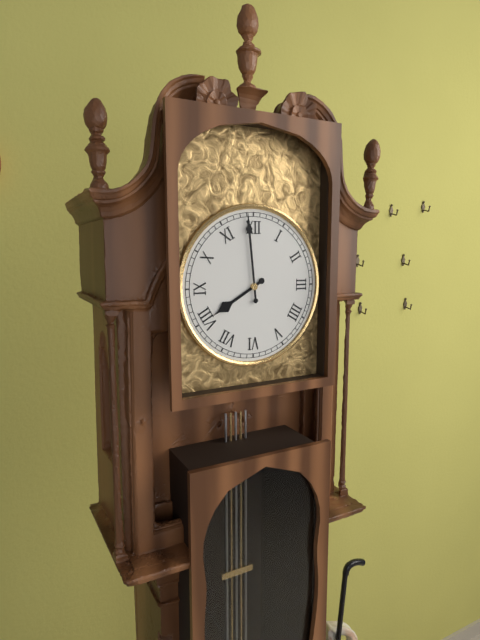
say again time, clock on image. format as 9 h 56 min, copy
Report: 7 h 59 min
